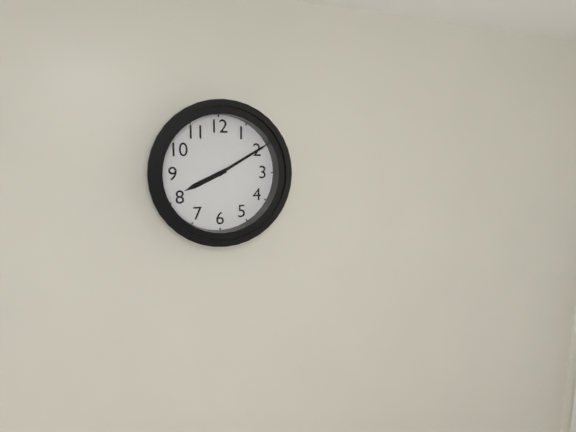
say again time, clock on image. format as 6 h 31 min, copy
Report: 8 h 10 min
